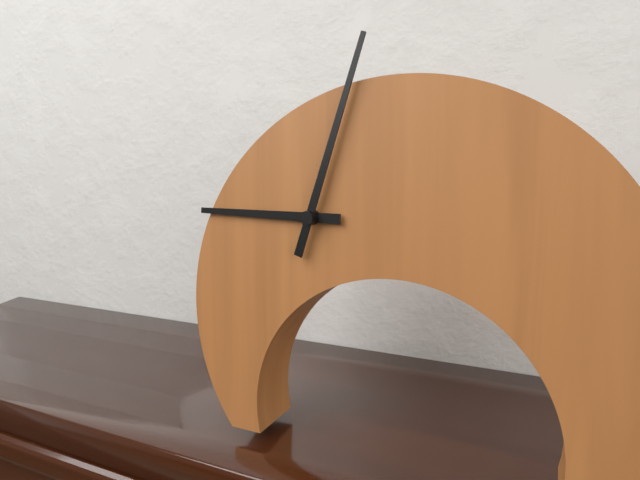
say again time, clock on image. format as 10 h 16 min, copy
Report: 9 h 03 min
